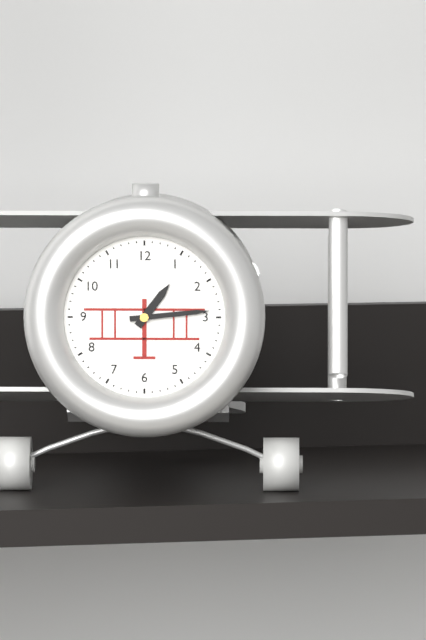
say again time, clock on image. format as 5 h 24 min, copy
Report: 1 h 14 min
